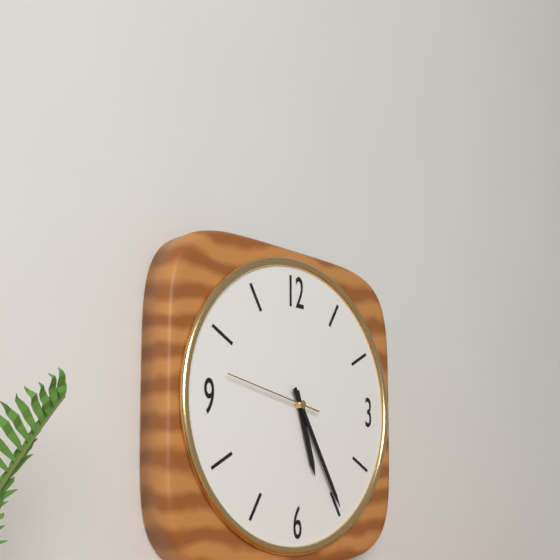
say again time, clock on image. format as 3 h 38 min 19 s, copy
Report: 5 h 25 min 47 s
